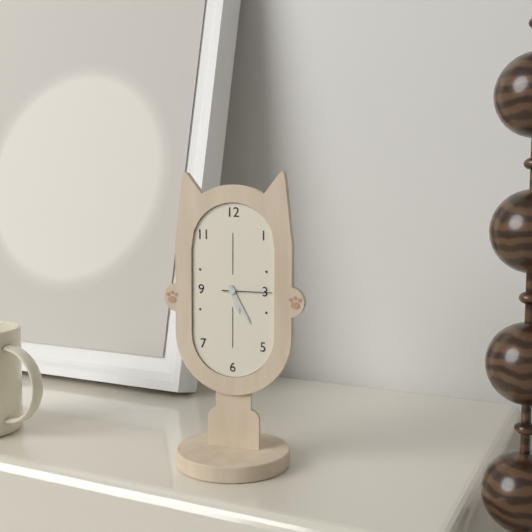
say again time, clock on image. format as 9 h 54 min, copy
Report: 5 h 25 min
